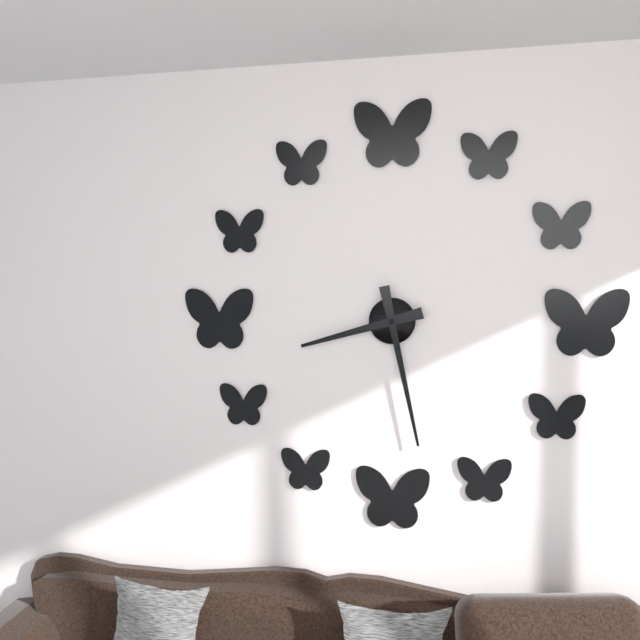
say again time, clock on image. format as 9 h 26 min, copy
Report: 8 h 28 min
